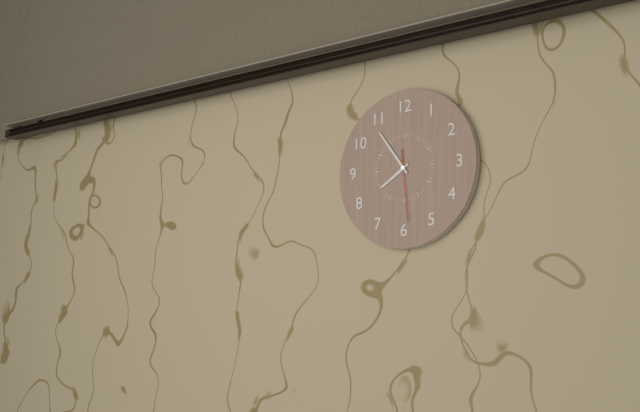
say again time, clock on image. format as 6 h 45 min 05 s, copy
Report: 7 h 54 min 29 s
